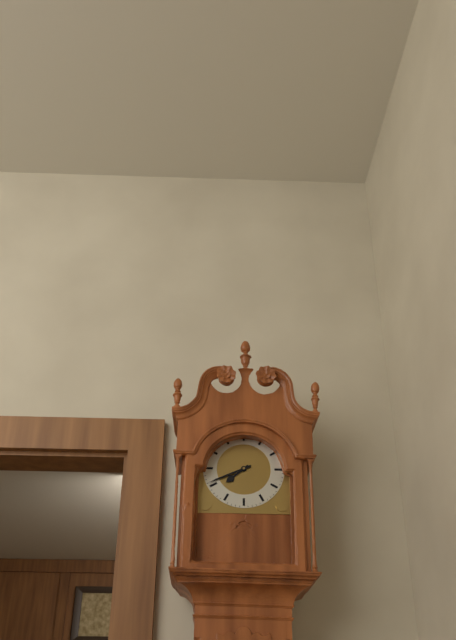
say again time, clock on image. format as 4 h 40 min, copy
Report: 7 h 41 min
